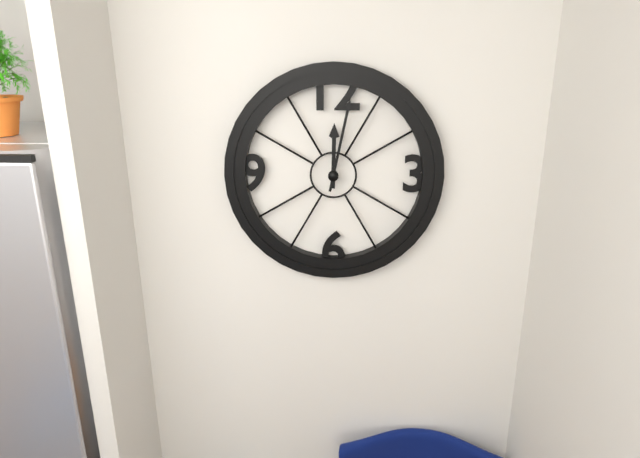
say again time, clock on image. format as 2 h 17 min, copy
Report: 12 h 02 min
